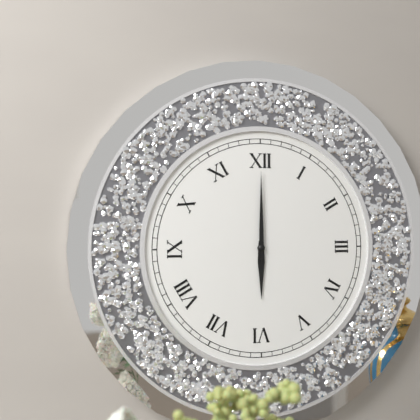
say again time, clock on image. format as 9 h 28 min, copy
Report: 6 h 00 min
